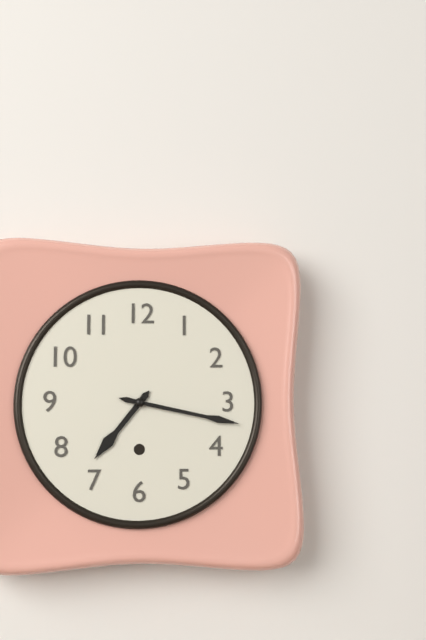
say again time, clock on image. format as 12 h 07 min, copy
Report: 7 h 17 min
